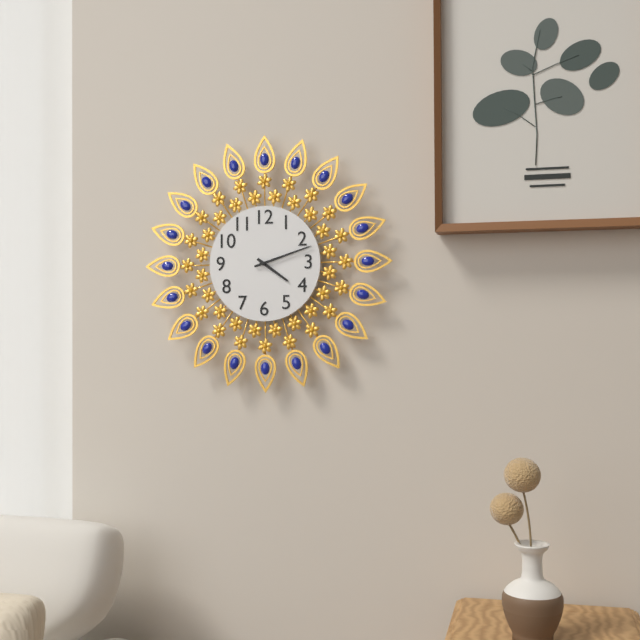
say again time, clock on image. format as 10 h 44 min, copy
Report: 4 h 12 min
